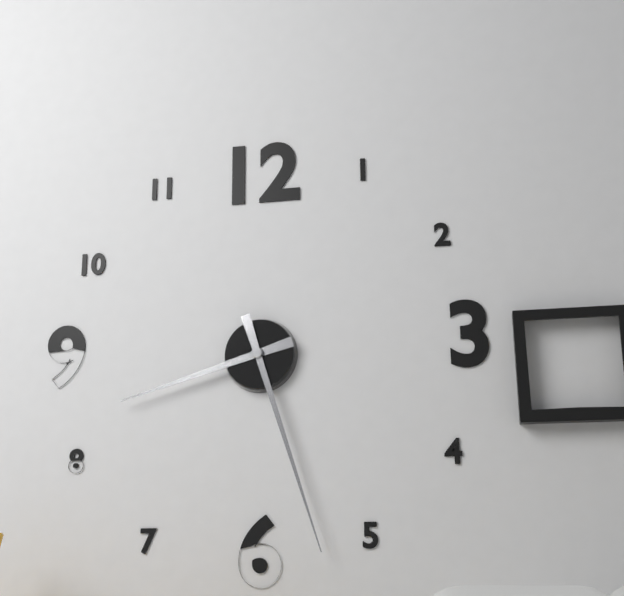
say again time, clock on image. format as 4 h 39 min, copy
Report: 8 h 27 min
